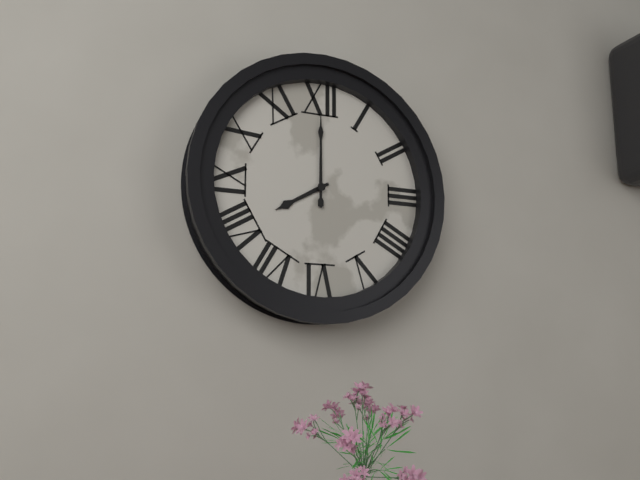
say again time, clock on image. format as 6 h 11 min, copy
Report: 8 h 00 min
